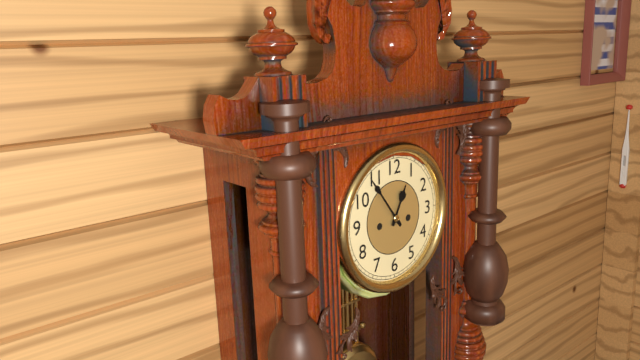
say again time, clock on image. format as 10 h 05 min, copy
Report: 12 h 54 min
